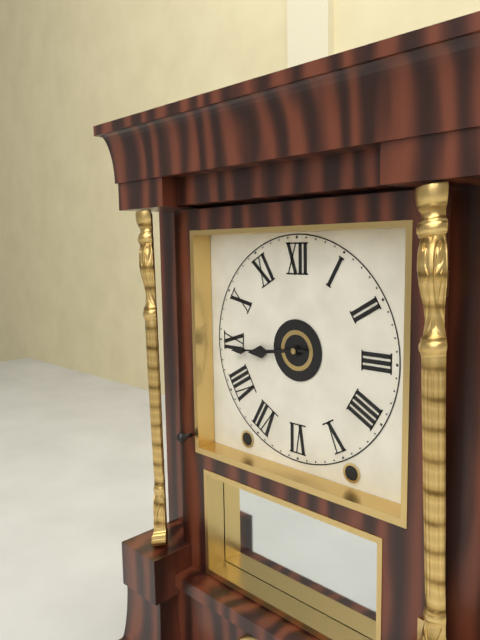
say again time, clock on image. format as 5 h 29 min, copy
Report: 8 h 44 min
